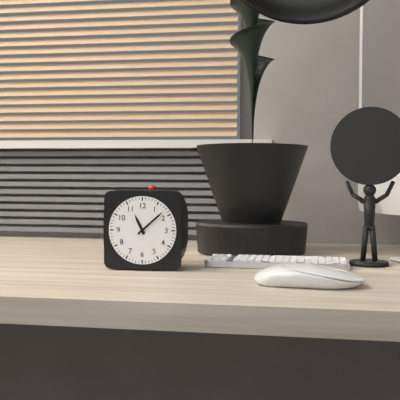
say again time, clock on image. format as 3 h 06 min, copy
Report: 11 h 08 min
